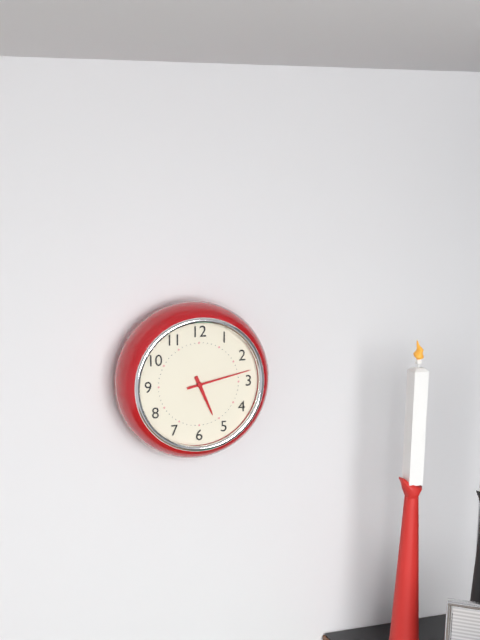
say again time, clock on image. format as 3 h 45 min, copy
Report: 5 h 13 min
